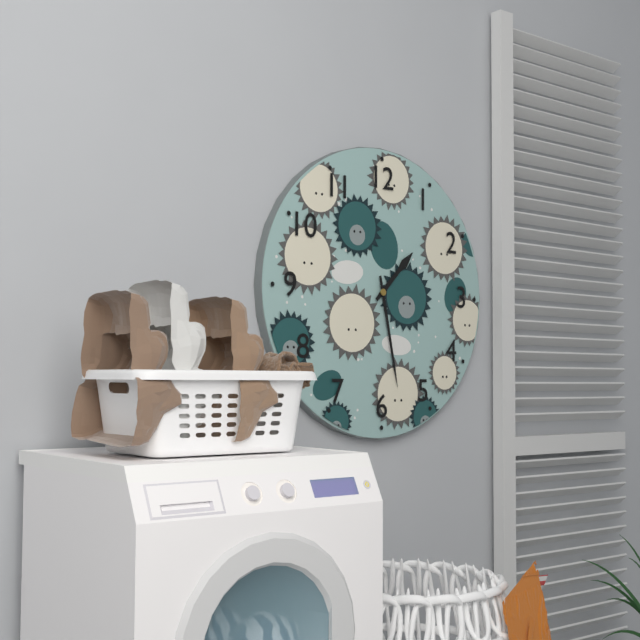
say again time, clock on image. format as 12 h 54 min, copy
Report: 1 h 28 min
